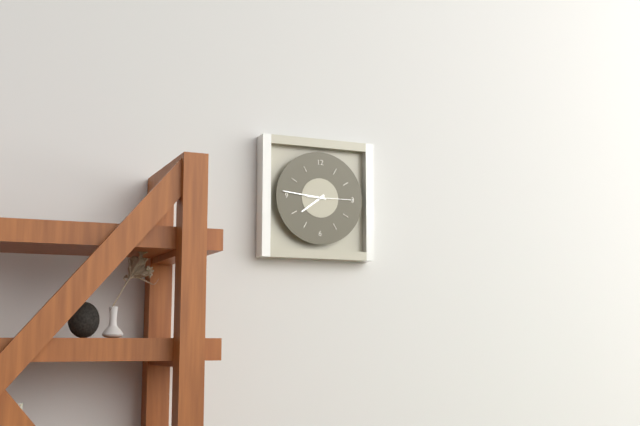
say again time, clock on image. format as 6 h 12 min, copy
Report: 7 h 46 min
